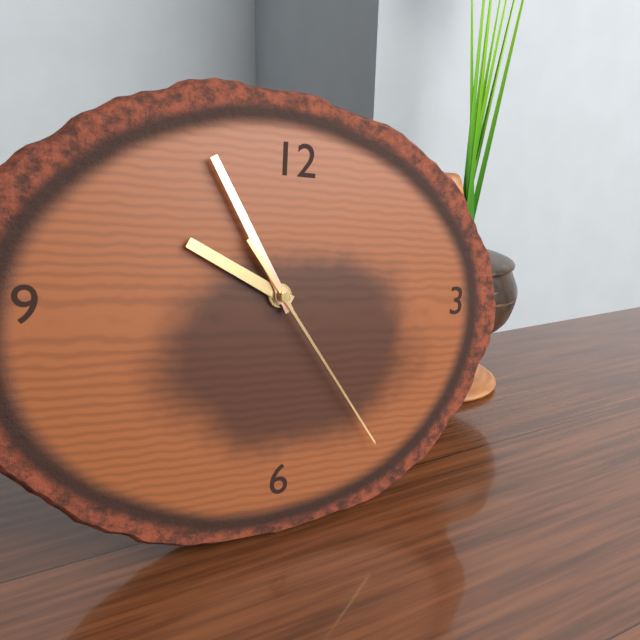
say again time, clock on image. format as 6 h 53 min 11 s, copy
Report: 9 h 55 min 24 s
